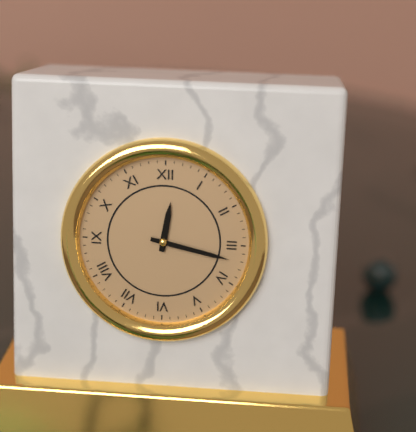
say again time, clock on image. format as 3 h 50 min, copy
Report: 12 h 17 min
